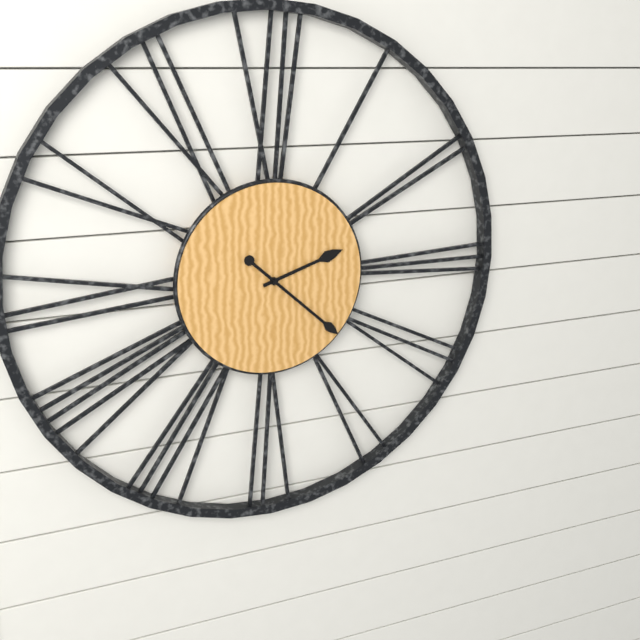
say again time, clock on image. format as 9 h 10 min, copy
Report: 2 h 22 min
